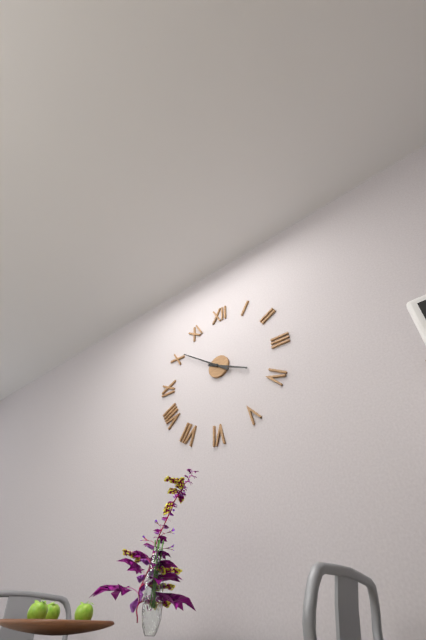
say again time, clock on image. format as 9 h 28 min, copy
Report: 3 h 51 min
